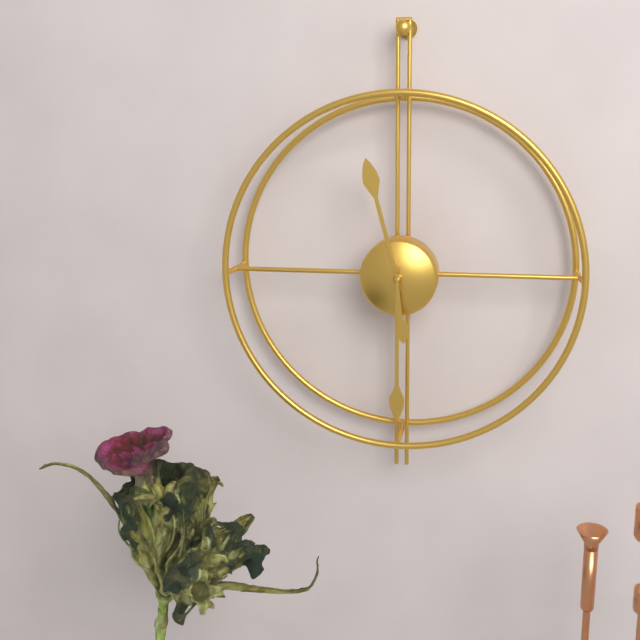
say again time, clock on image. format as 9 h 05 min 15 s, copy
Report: 11 h 30 min 29 s
